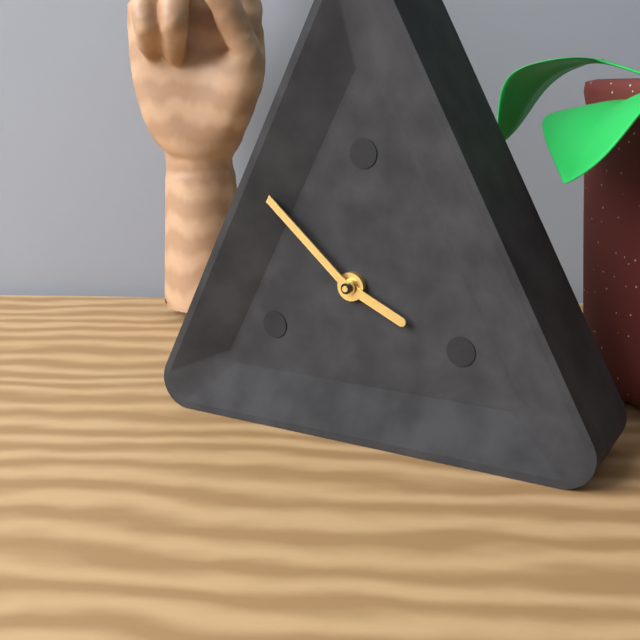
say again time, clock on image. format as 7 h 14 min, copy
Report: 3 h 52 min
